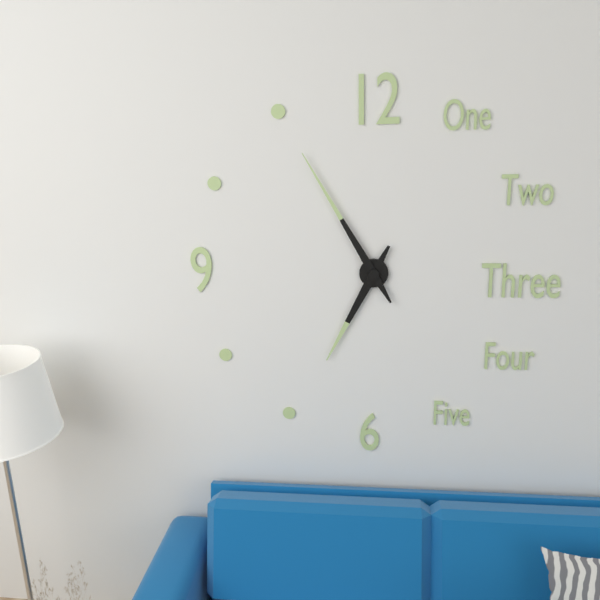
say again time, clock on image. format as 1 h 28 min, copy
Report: 6 h 55 min
